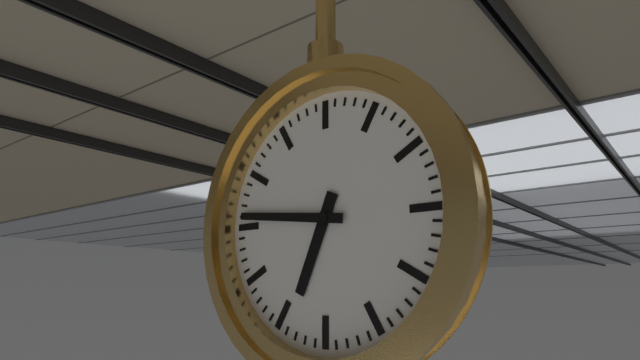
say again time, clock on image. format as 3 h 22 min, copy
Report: 6 h 46 min
